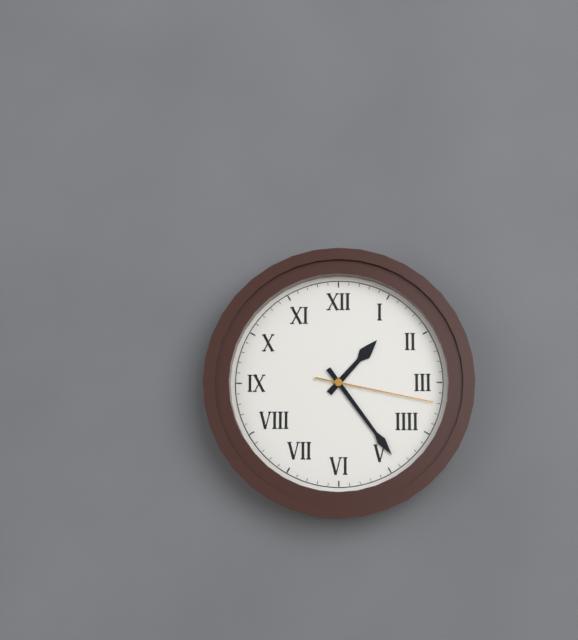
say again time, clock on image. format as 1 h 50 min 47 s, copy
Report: 1 h 24 min 17 s
